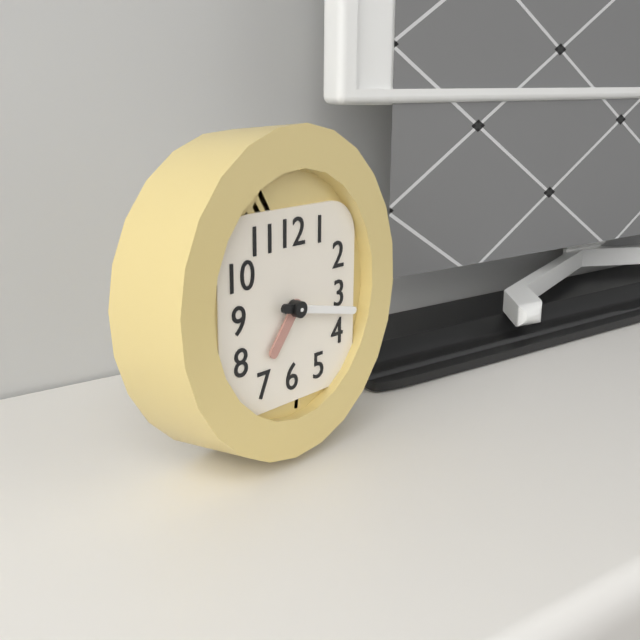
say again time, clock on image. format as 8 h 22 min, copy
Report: 7 h 17 min
